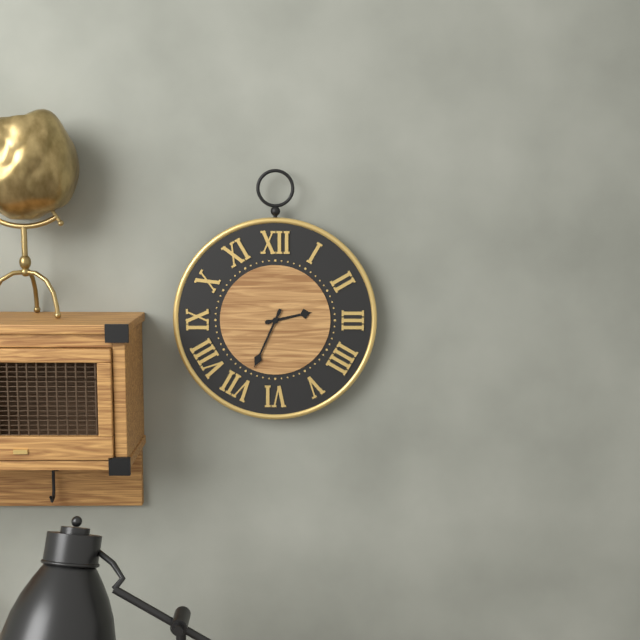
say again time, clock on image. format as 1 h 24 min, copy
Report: 2 h 34 min
